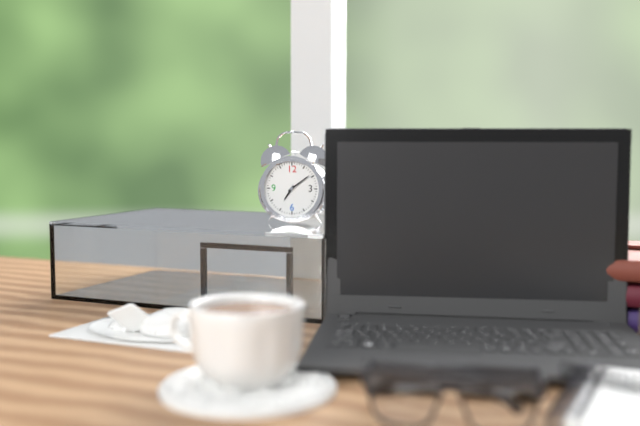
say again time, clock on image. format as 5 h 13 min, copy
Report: 7 h 09 min
